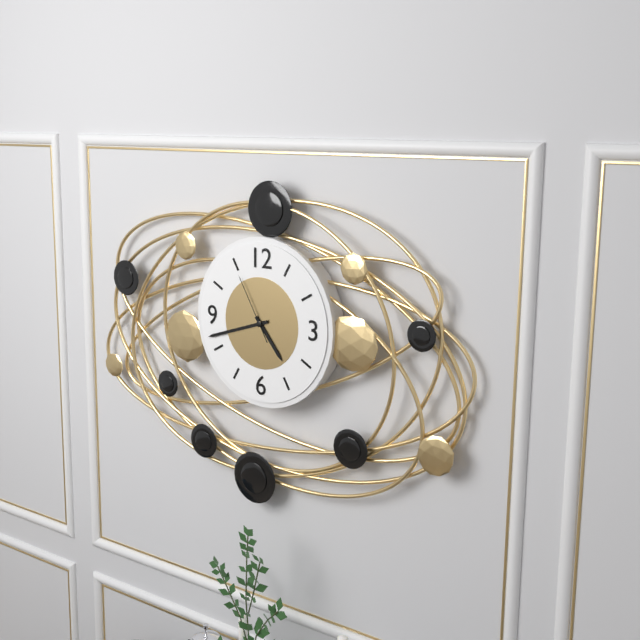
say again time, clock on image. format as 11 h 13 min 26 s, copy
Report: 4 h 42 min 55 s
